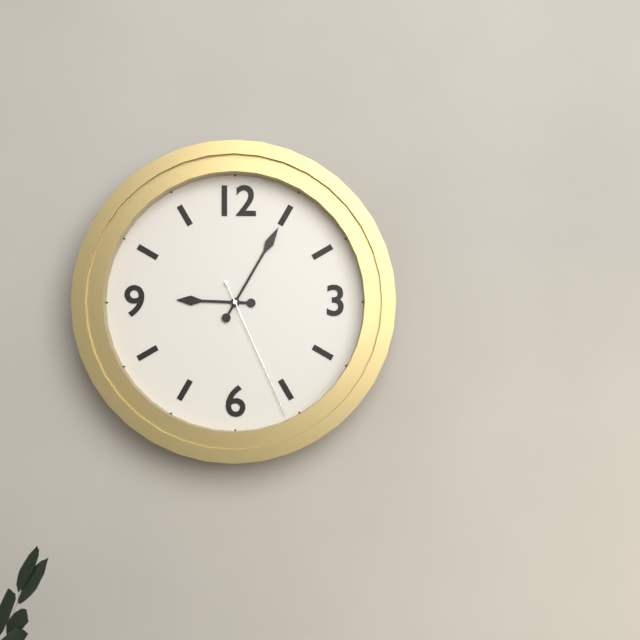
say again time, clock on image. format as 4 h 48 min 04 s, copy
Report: 9 h 05 min 26 s
